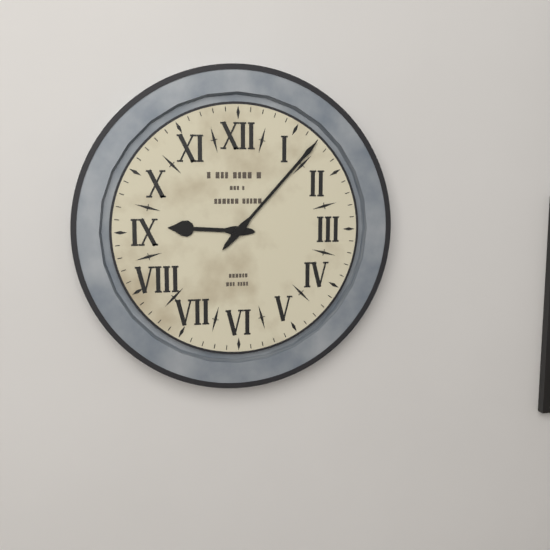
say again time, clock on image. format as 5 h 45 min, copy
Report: 9 h 07 min
